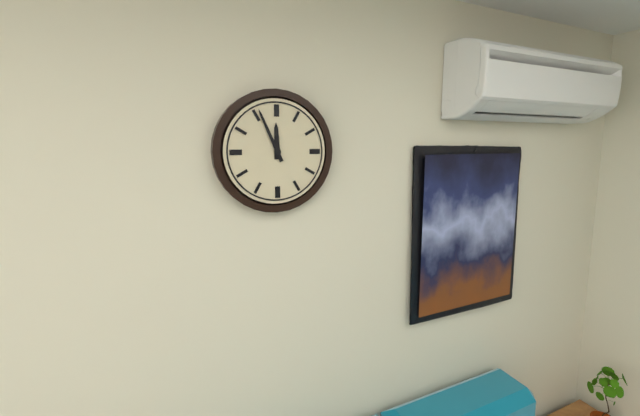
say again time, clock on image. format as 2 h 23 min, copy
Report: 11 h 56 min
